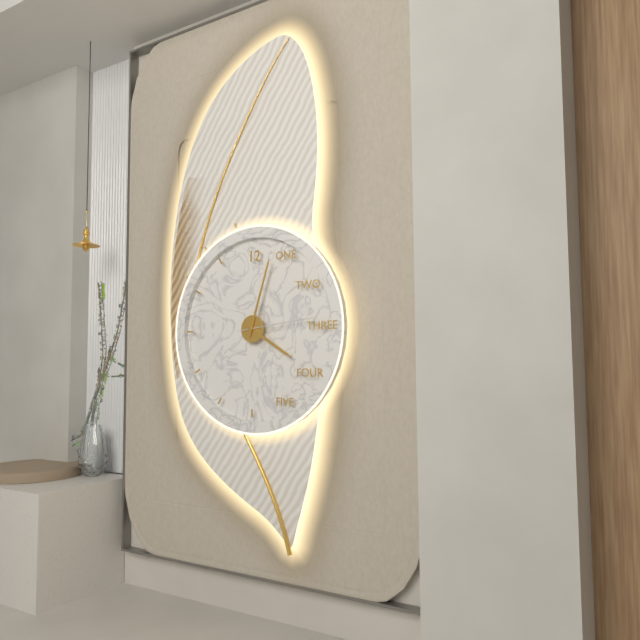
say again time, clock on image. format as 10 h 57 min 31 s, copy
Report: 4 h 03 min 14 s
